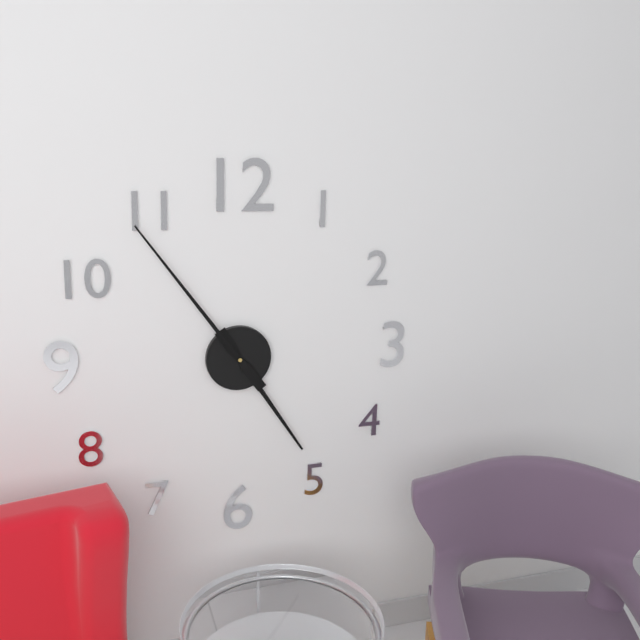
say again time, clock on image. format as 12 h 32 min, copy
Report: 4 h 54 min
